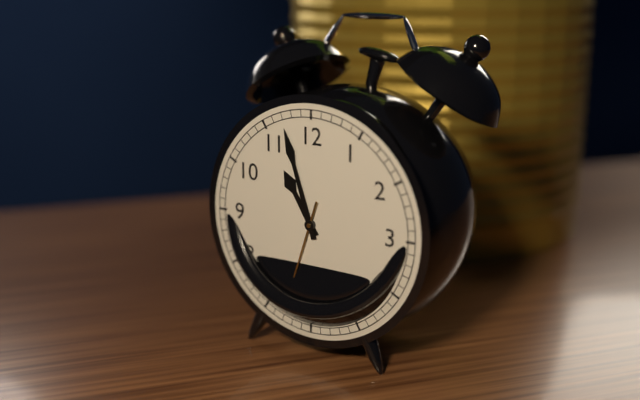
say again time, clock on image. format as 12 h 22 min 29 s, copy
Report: 10 h 57 min 33 s
